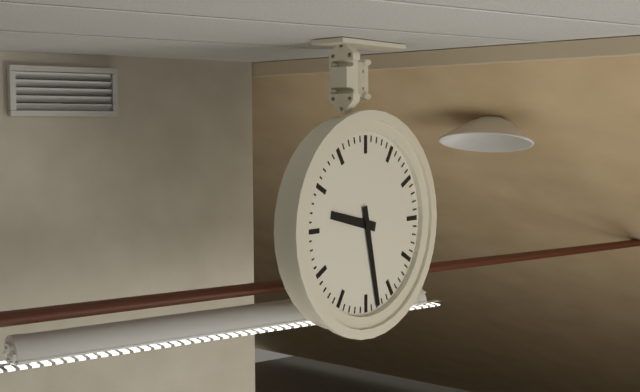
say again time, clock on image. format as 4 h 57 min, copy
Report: 9 h 28 min
